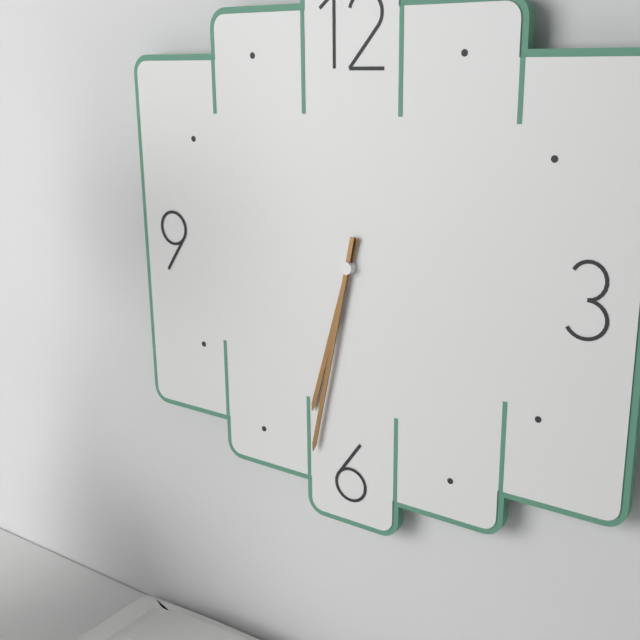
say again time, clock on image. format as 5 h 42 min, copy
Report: 6 h 32 min
